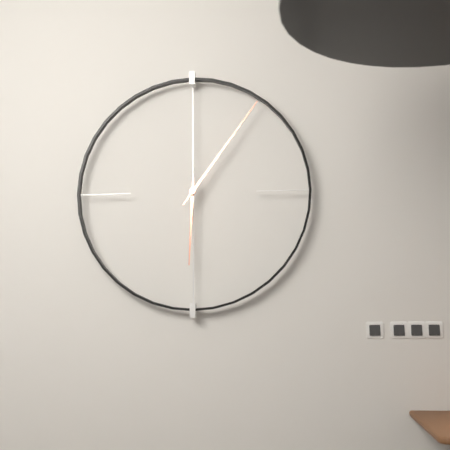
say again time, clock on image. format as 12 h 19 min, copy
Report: 6 h 06 min
